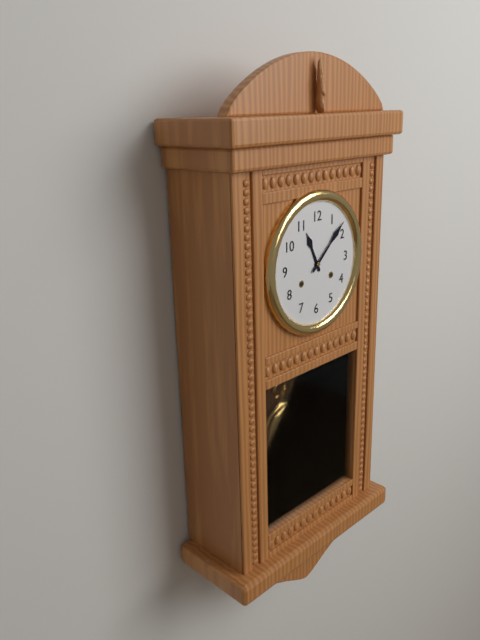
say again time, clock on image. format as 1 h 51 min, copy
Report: 11 h 08 min
